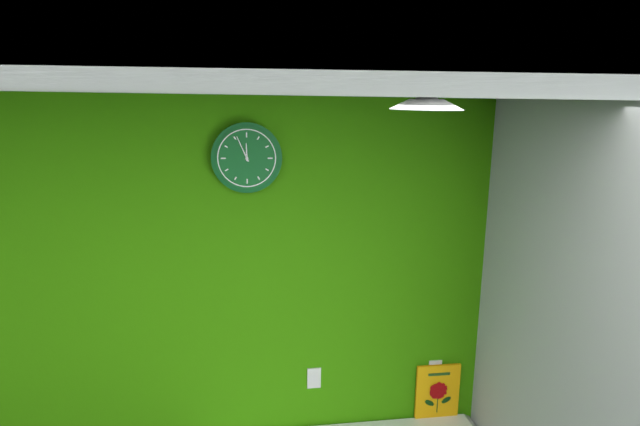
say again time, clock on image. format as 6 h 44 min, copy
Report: 11 h 56 min
